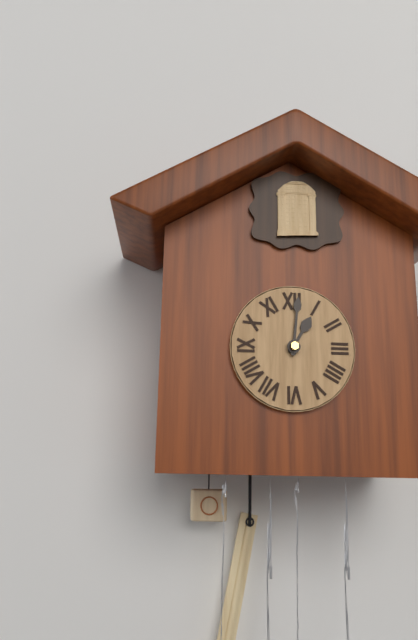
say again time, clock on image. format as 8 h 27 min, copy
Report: 1 h 01 min
